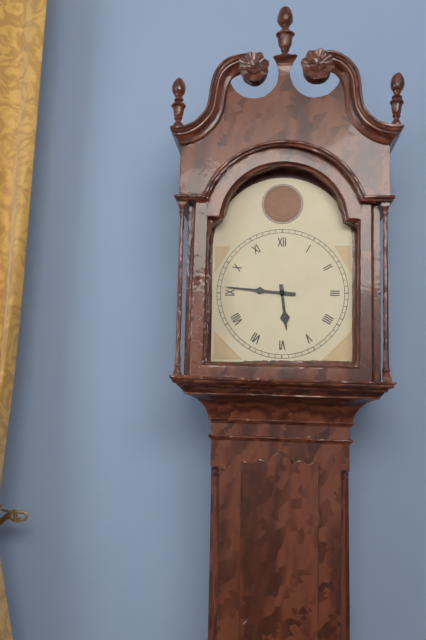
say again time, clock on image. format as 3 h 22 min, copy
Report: 5 h 46 min
